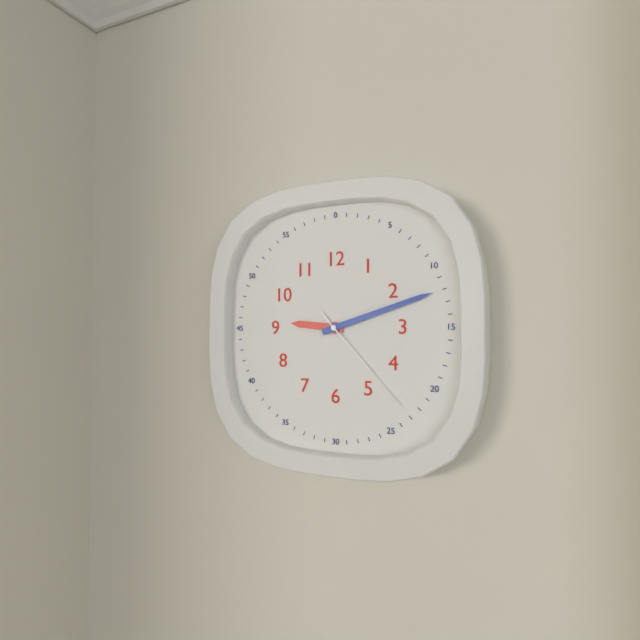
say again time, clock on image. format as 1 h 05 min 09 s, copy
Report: 9 h 12 min 23 s
